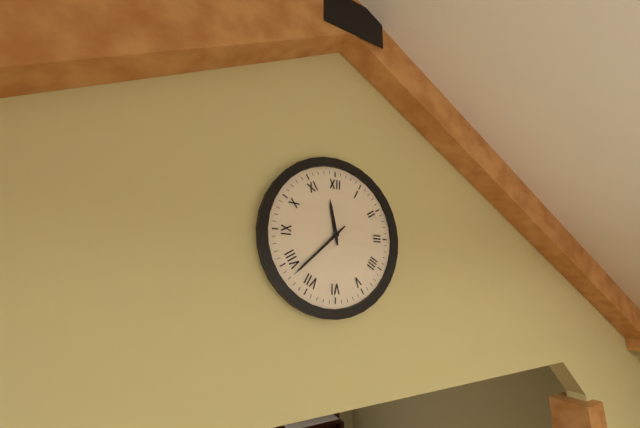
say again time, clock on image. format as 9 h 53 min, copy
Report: 11 h 38 min
